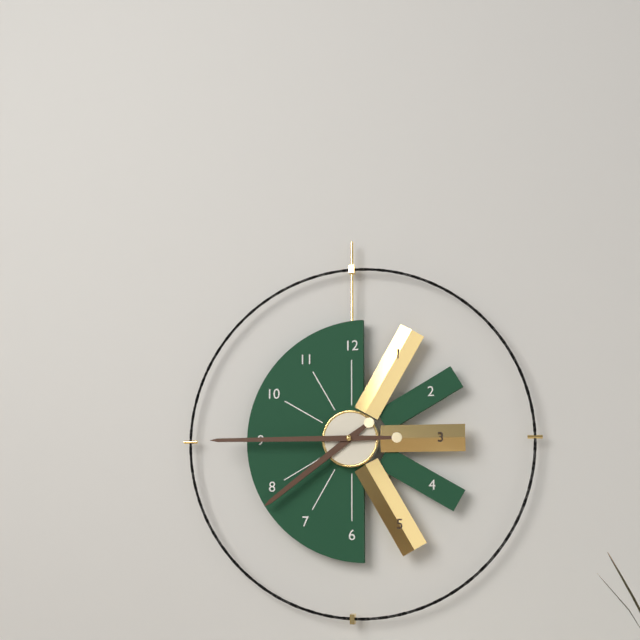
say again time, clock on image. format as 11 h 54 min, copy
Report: 7 h 45 min
